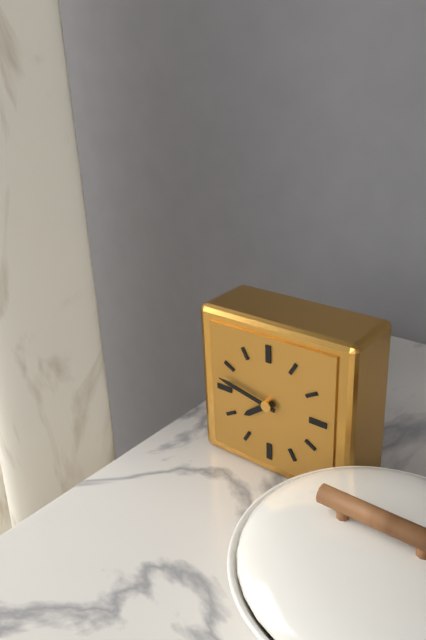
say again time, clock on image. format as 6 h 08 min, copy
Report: 7 h 47 min
